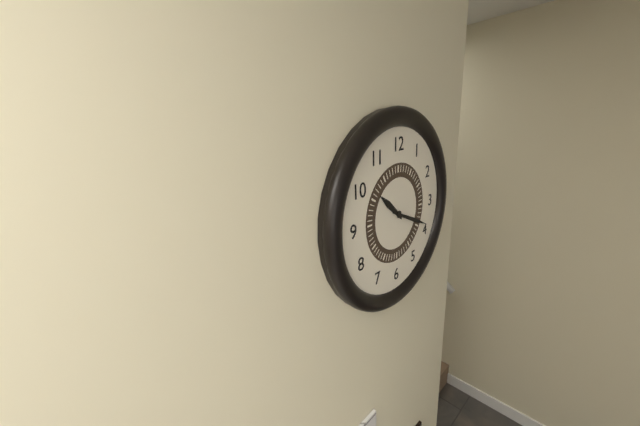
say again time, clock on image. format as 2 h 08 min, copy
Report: 10 h 19 min
